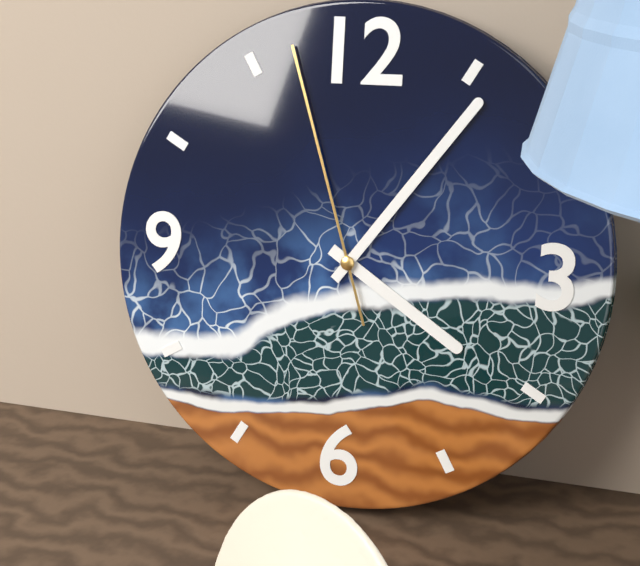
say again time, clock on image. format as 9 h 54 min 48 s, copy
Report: 4 h 06 min 57 s
